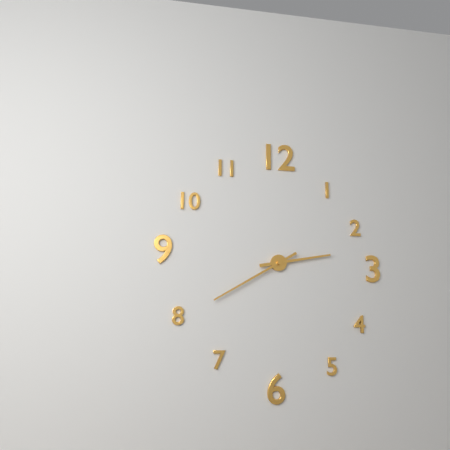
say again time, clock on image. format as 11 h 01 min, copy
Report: 2 h 40 min
